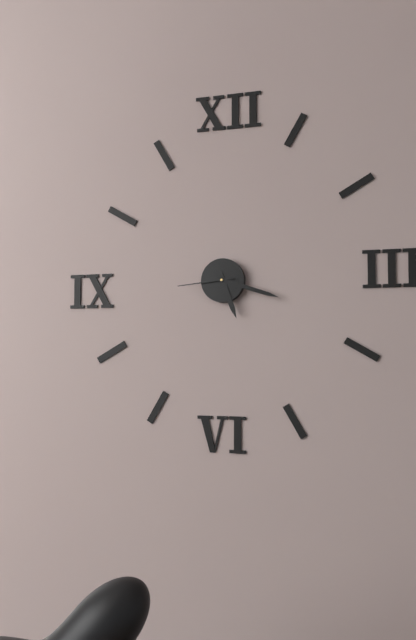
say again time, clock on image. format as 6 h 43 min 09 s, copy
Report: 5 h 18 min 44 s
